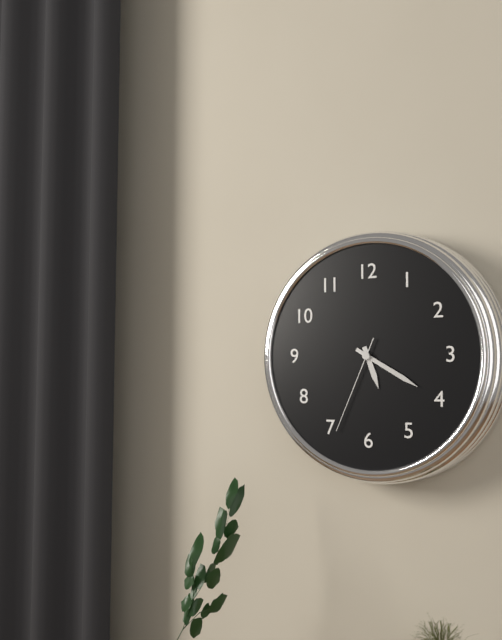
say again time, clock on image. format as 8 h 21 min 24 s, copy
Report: 5 h 20 min 34 s
